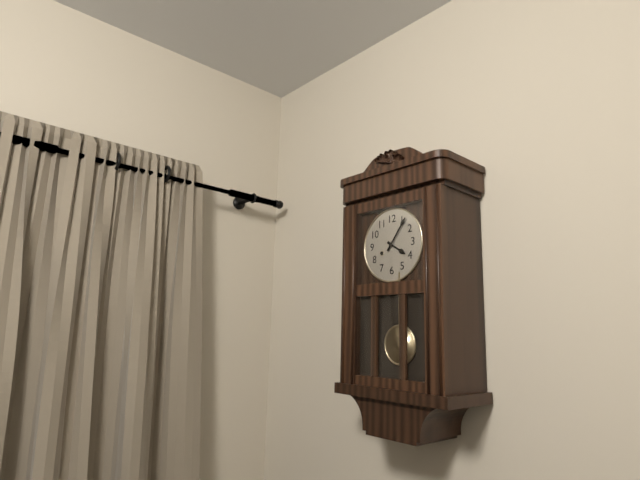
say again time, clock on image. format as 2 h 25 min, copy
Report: 4 h 06 min
